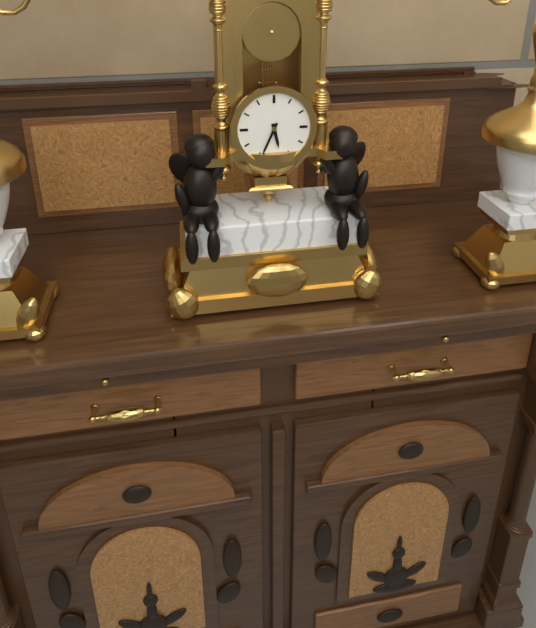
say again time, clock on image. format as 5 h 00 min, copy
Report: 5 h 34 min
